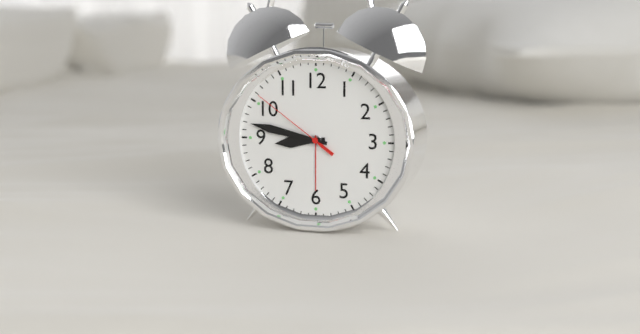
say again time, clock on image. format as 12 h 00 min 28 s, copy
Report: 8 h 47 min 51 s
